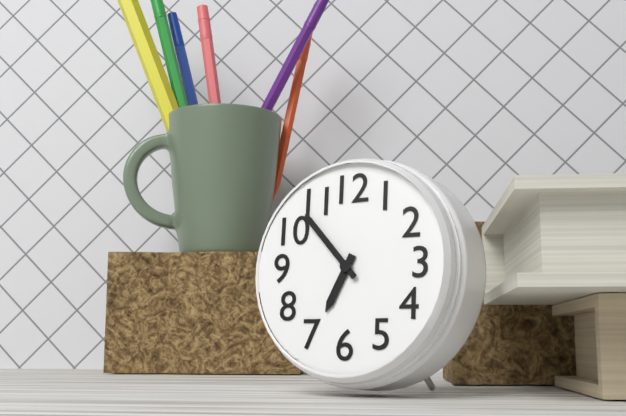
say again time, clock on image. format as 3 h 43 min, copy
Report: 6 h 53 min
